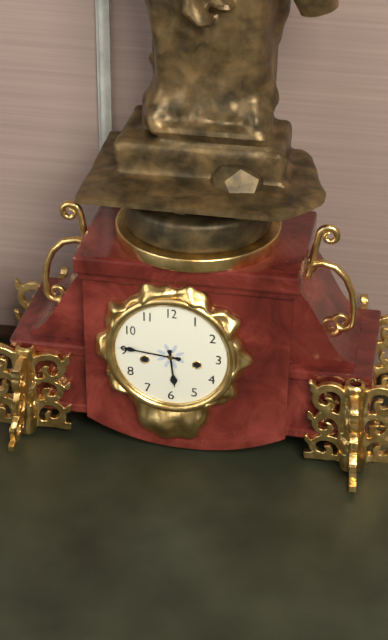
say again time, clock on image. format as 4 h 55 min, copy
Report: 5 h 46 min
